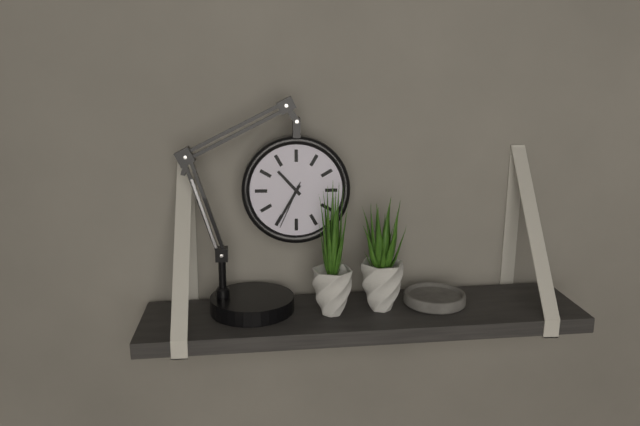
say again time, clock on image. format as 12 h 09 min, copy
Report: 10 h 35 min
